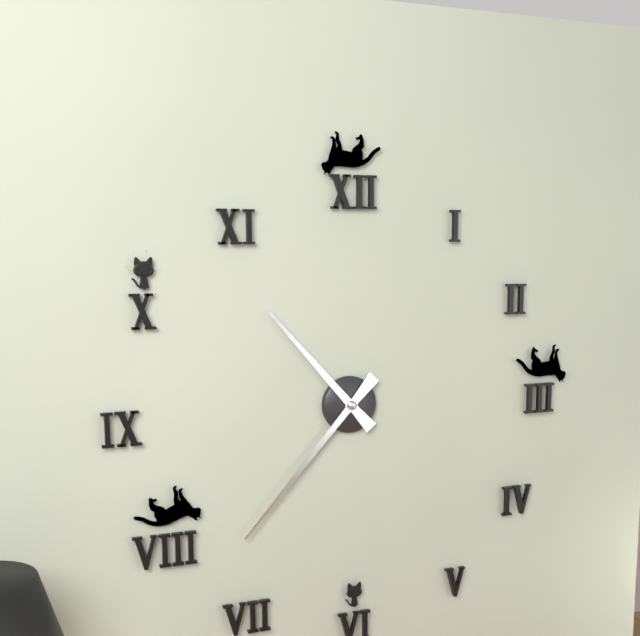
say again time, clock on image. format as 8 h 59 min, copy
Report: 10 h 37 min
